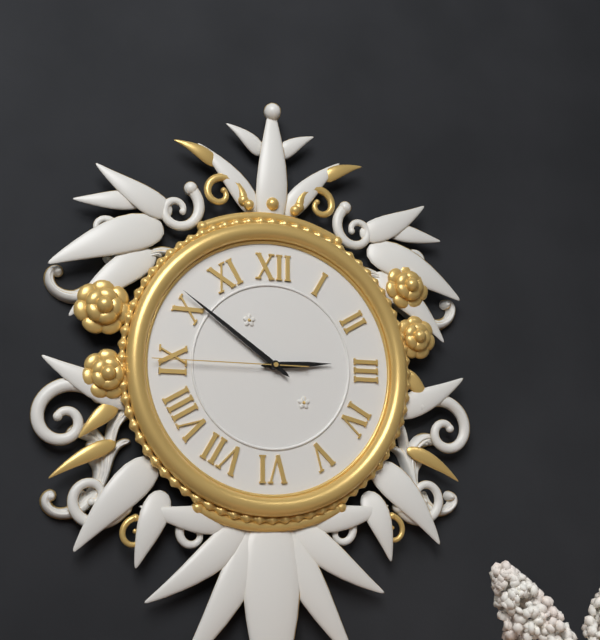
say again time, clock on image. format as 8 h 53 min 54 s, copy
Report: 2 h 51 min 45 s
